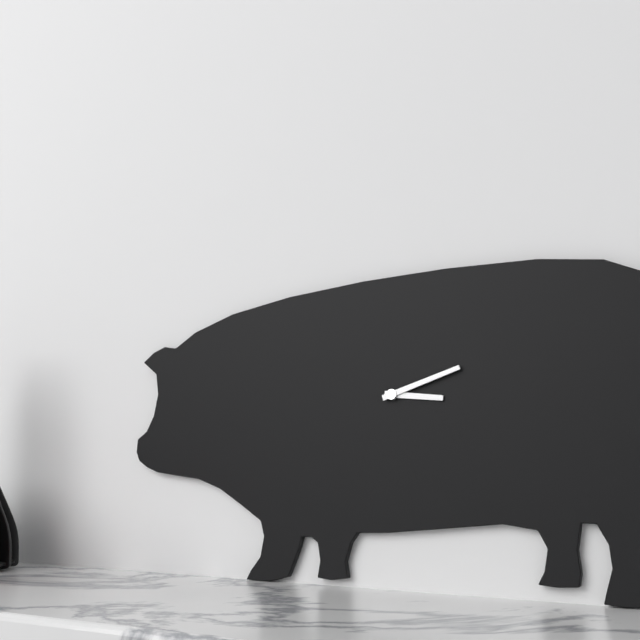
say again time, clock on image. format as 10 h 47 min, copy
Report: 3 h 12 min
